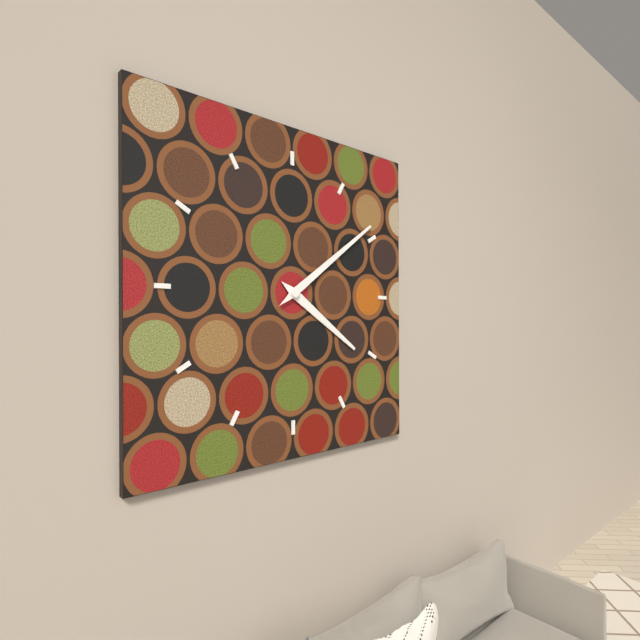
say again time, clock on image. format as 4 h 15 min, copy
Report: 4 h 09 min
